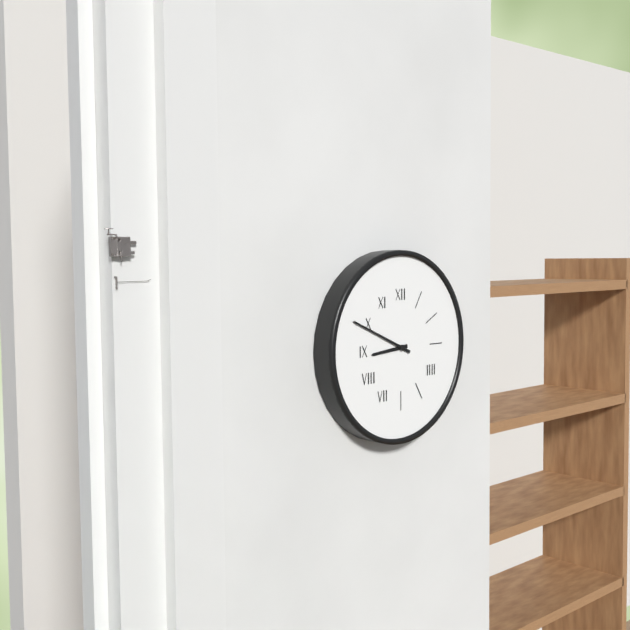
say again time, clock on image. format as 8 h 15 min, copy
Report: 8 h 49 min
